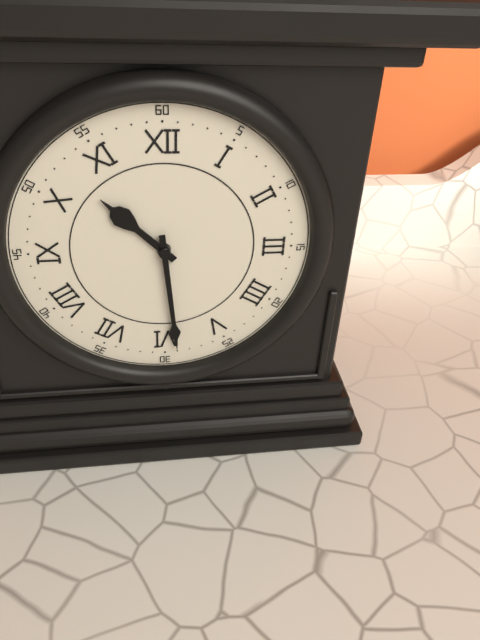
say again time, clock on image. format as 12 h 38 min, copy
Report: 10 h 29 min
